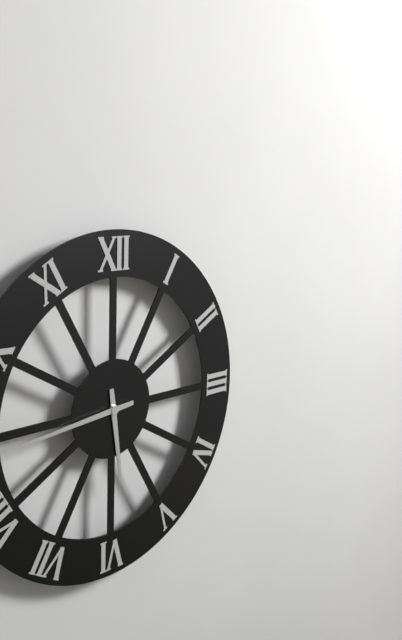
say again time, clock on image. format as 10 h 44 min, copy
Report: 5 h 44 min
